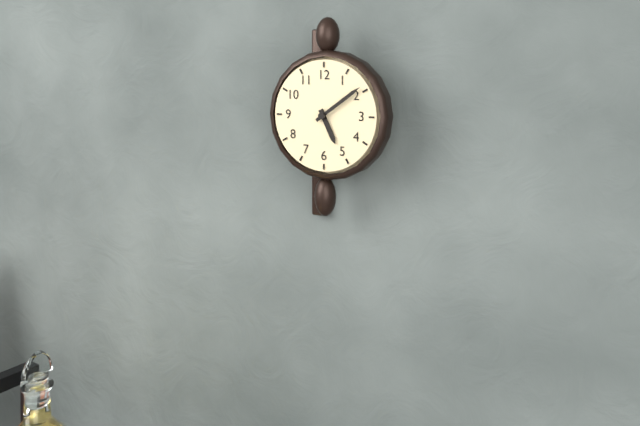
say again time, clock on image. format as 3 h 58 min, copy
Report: 5 h 09 min
